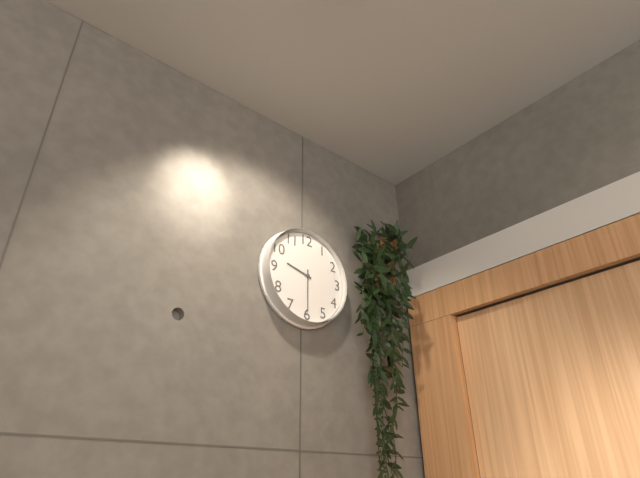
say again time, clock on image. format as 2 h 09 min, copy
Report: 9 h 30 min
